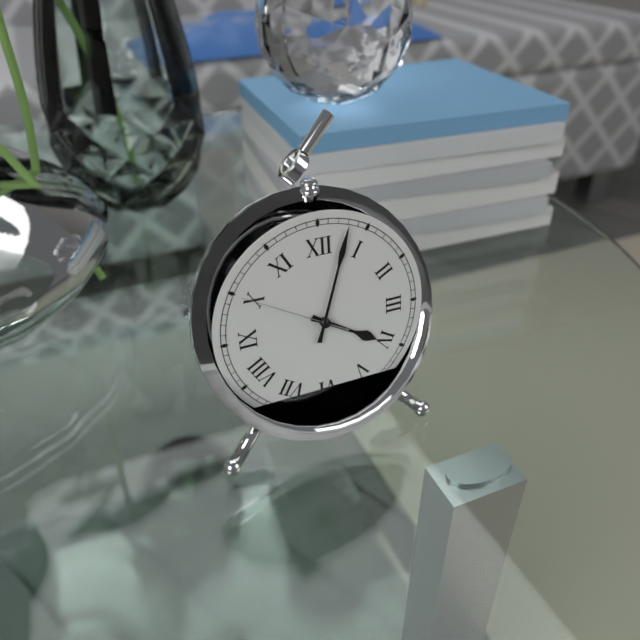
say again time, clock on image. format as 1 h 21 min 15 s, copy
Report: 4 h 03 min 50 s
